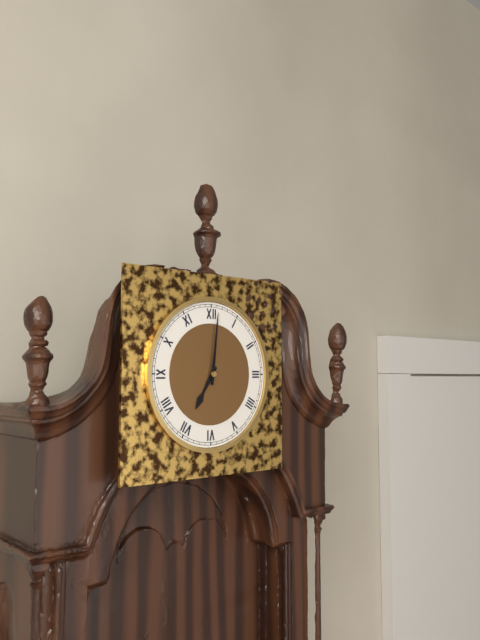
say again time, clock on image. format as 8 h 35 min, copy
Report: 7 h 01 min
